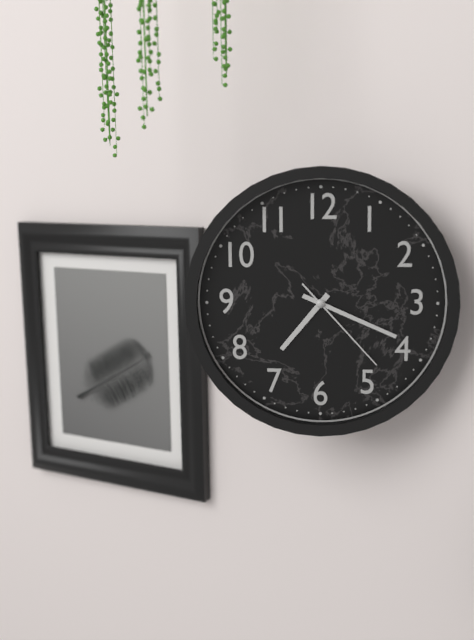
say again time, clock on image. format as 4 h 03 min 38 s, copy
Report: 7 h 19 min 23 s
